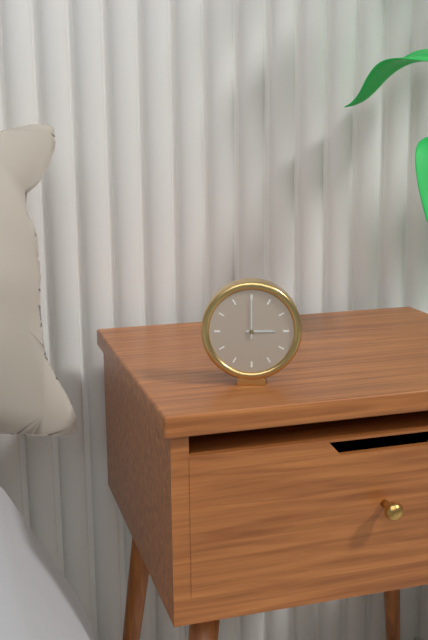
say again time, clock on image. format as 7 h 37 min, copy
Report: 3 h 00 min
